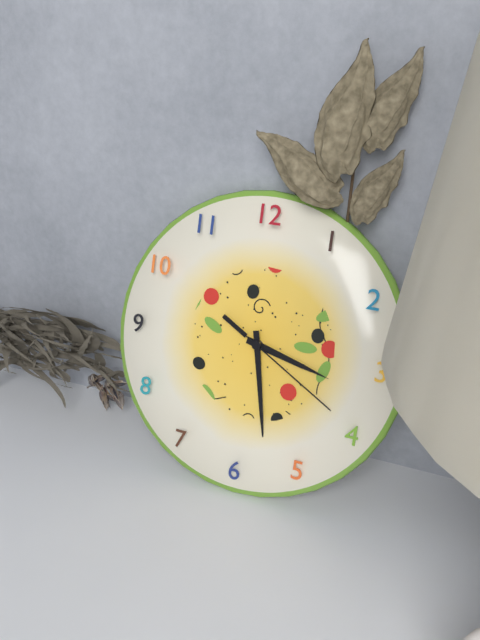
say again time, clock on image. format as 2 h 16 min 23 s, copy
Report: 3 h 28 min 20 s
